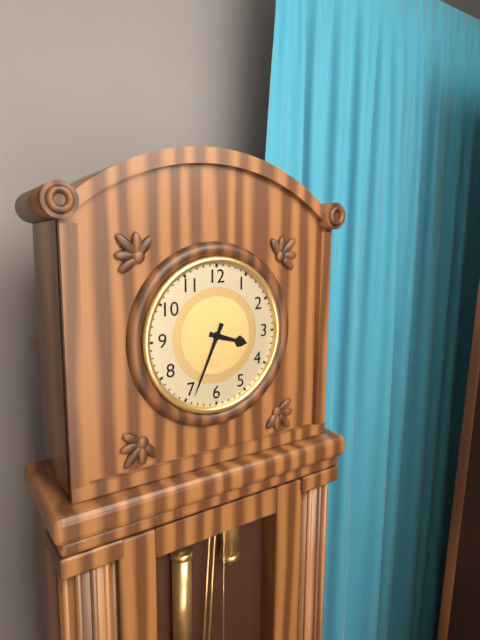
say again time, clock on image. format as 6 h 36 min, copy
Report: 3 h 34 min
